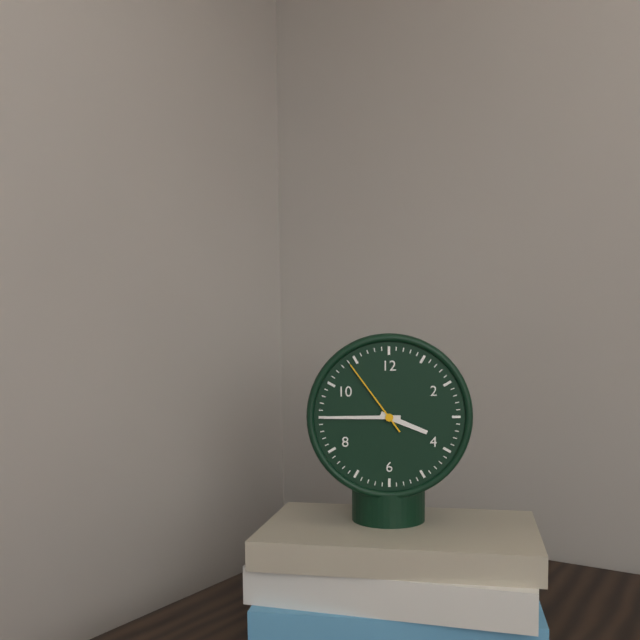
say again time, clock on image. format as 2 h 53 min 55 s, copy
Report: 3 h 45 min 54 s
